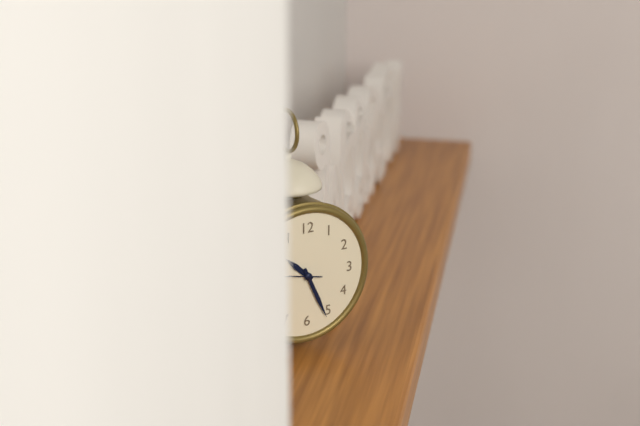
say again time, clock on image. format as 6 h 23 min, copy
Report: 10 h 26 min
